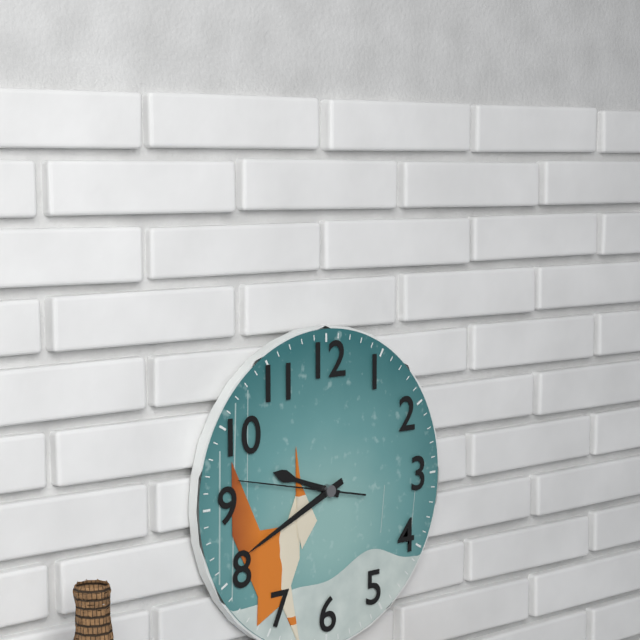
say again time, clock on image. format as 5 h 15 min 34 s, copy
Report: 9 h 41 min 47 s
